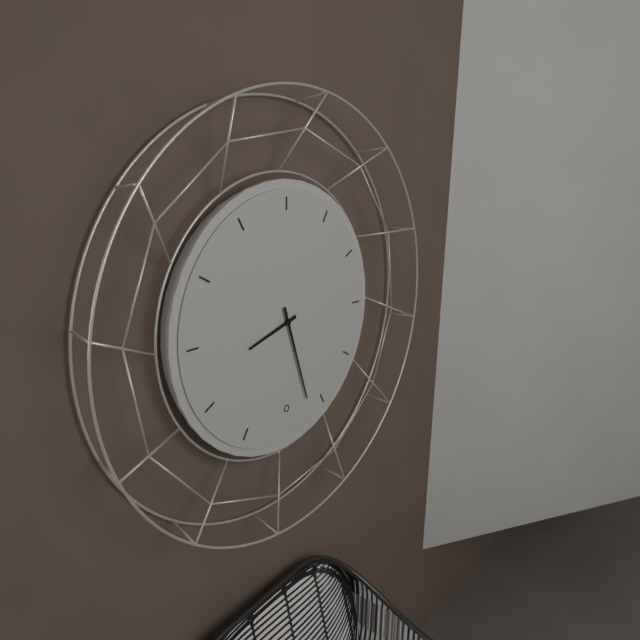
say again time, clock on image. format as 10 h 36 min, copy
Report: 8 h 27 min
